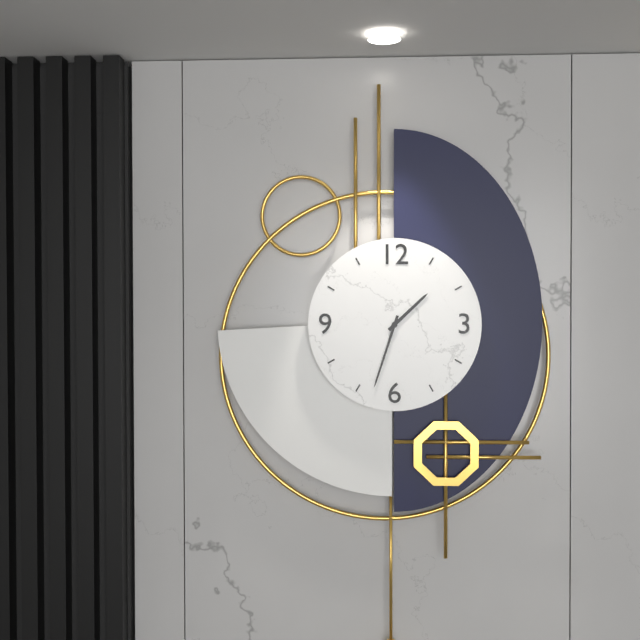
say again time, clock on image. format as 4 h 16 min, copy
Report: 1 h 33 min
